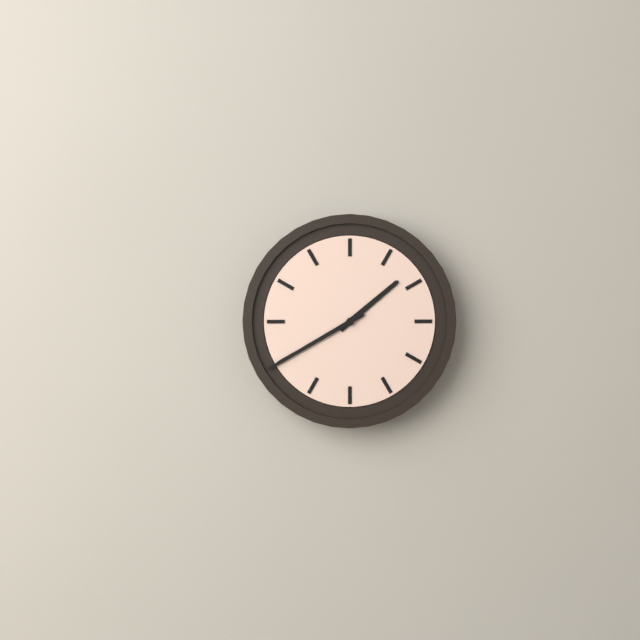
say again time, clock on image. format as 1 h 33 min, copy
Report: 1 h 40 min
